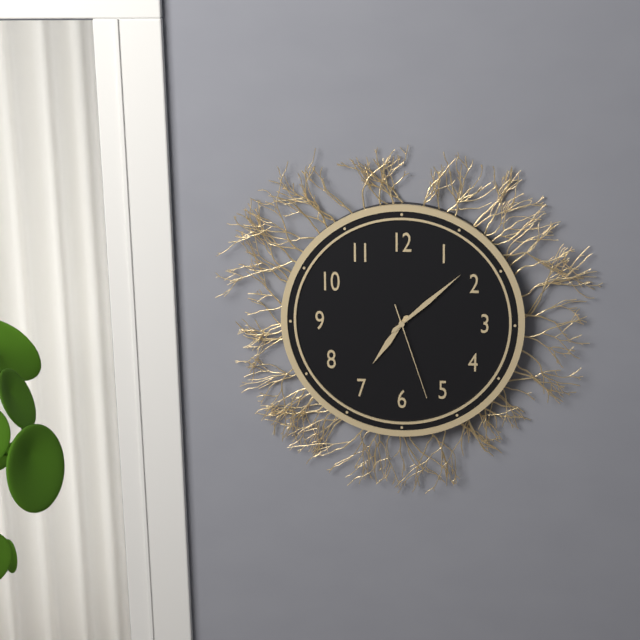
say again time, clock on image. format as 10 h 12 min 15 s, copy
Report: 7 h 08 min 27 s
